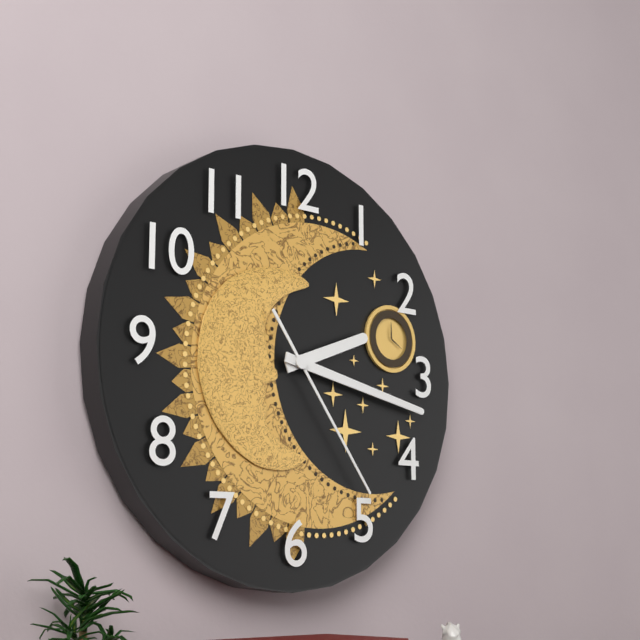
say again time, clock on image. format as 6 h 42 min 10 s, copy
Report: 2 h 17 min 24 s
